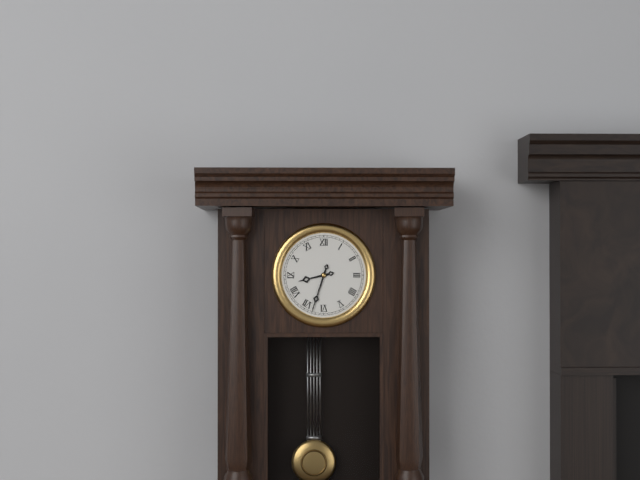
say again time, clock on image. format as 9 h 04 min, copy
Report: 8 h 33 min
